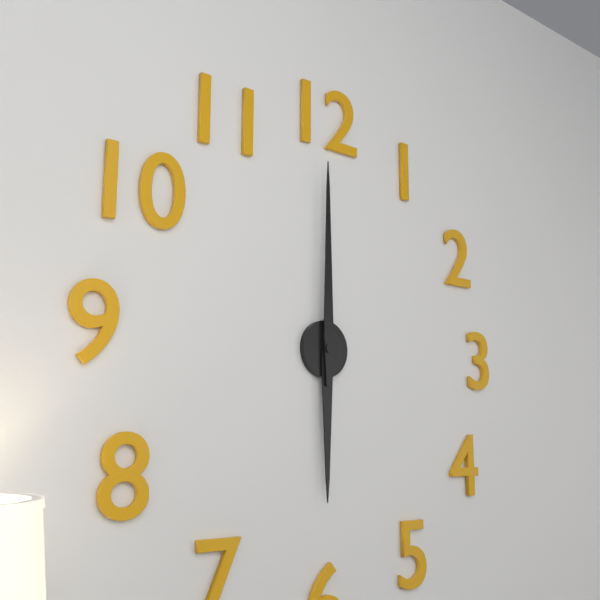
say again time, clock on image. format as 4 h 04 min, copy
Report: 6 h 00 min
